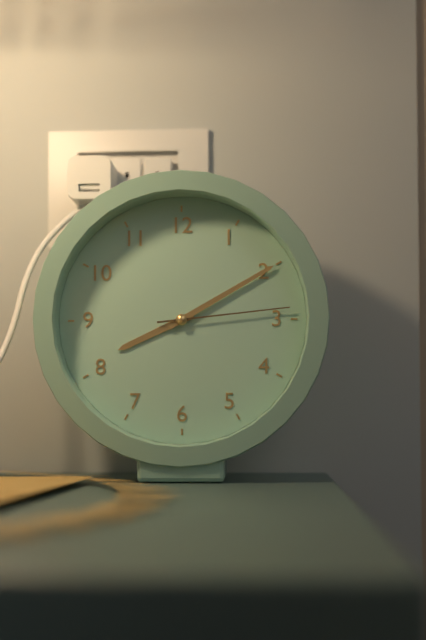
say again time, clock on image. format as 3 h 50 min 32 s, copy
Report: 8 h 10 min 14 s
